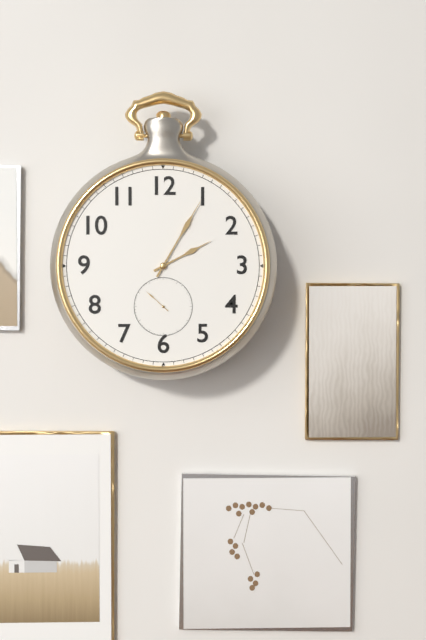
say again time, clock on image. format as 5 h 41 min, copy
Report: 2 h 05 min
